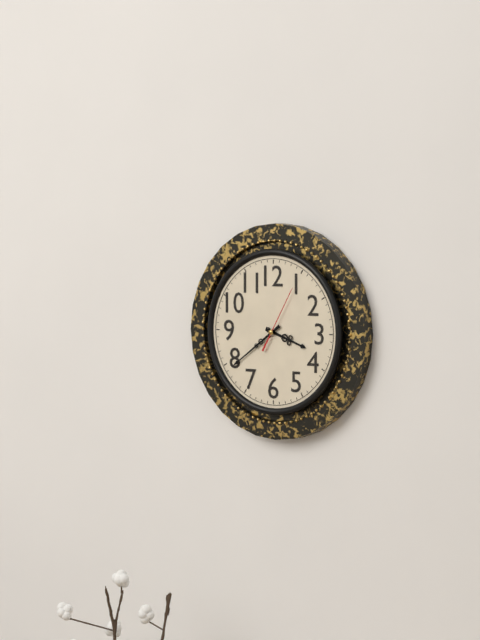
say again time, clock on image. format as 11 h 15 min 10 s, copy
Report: 3 h 39 min 05 s
